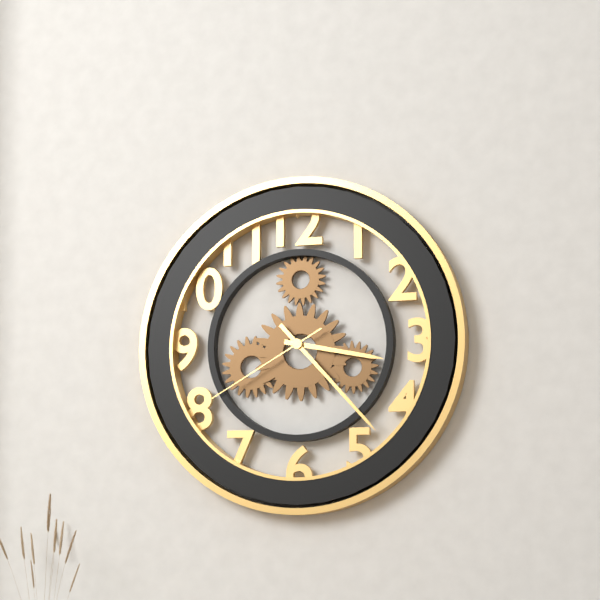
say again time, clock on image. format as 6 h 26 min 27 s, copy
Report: 3 h 23 min 40 s
